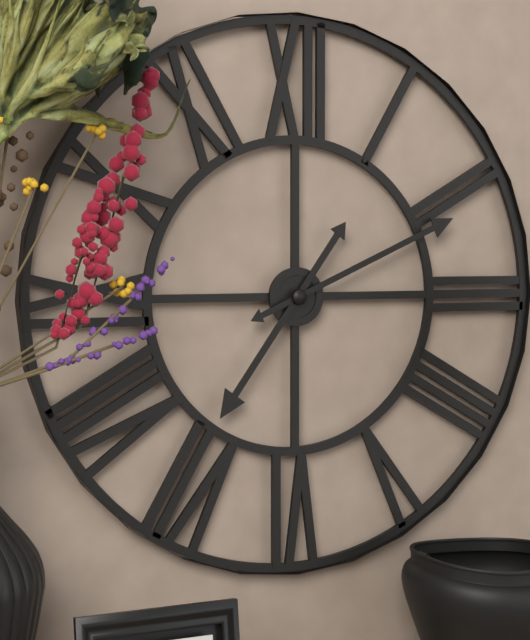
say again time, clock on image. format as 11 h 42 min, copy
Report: 7 h 11 min
